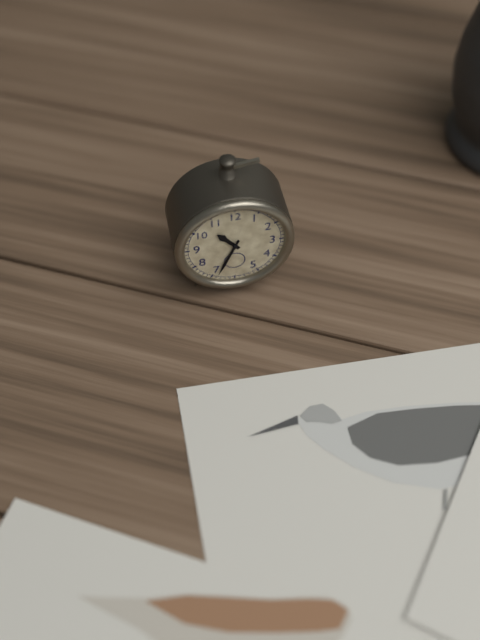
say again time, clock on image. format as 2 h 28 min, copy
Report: 10 h 34 min
